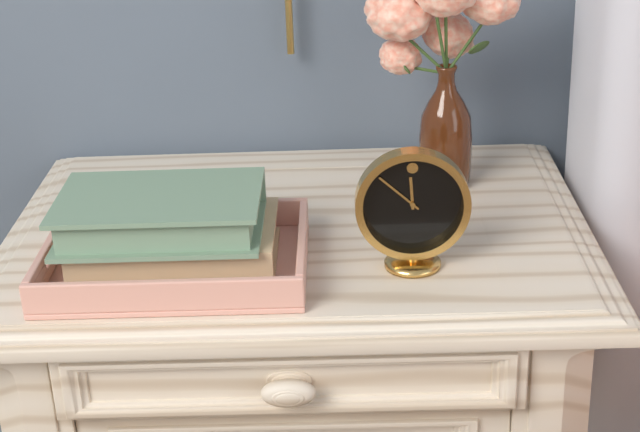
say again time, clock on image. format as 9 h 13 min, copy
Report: 11 h 52 min
